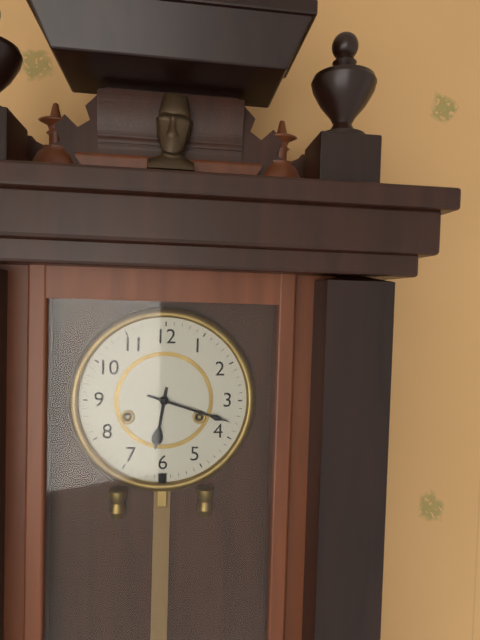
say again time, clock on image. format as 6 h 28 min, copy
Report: 6 h 18 min
